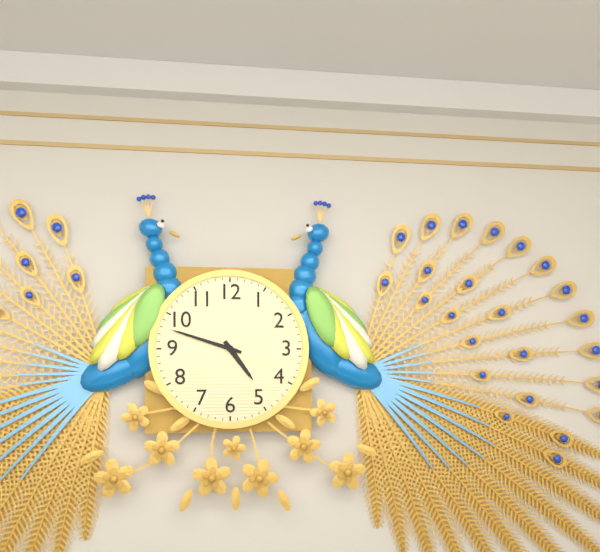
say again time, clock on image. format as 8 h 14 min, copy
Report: 4 h 48 min
